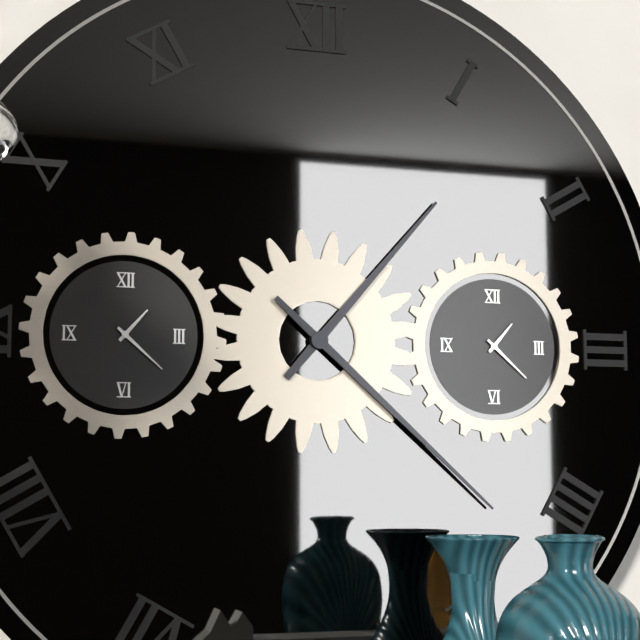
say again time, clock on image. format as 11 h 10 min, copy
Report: 1 h 22 min
